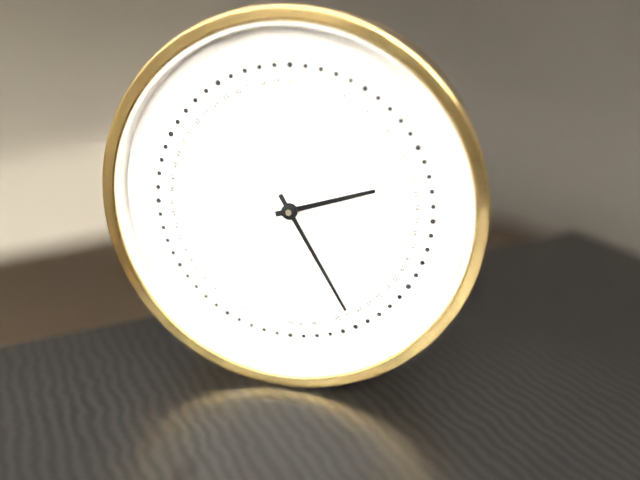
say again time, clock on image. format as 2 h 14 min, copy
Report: 2 h 25 min
